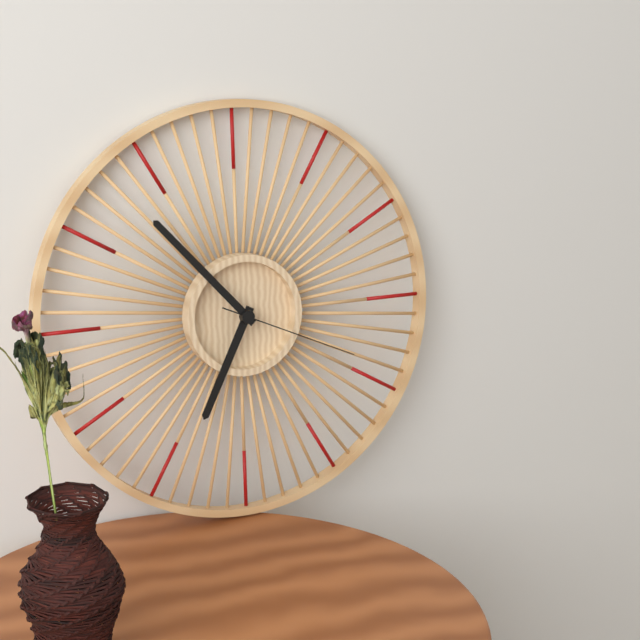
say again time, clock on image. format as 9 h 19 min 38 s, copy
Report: 6 h 53 min 19 s
